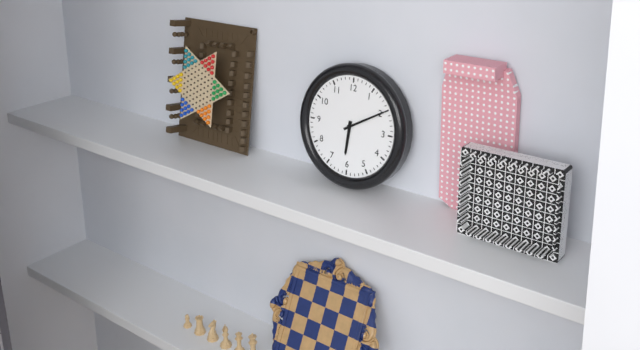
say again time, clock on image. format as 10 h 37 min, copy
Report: 6 h 10 min
